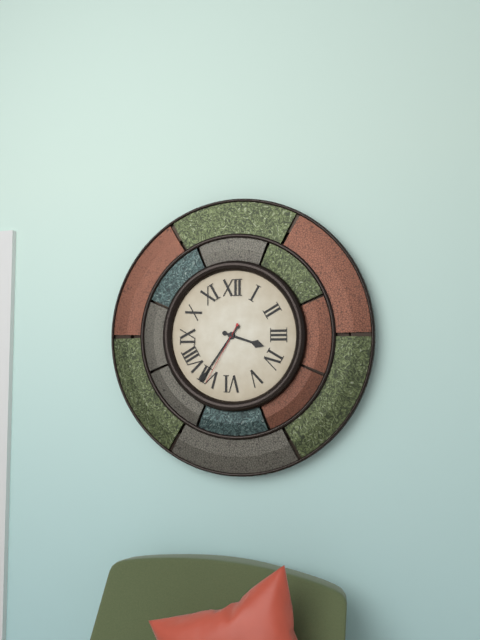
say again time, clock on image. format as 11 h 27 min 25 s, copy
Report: 3 h 36 min 35 s
